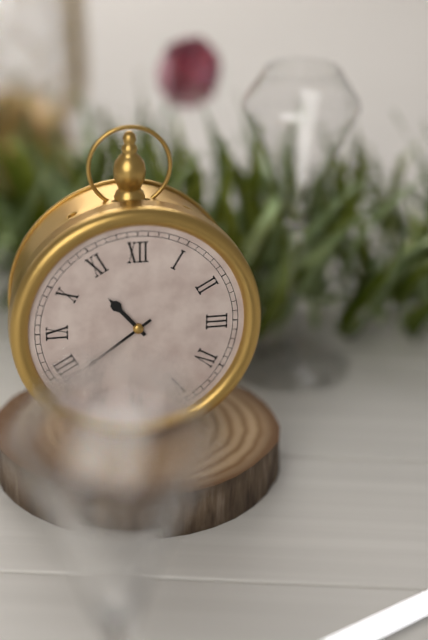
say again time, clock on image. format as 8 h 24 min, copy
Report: 10 h 39 min
